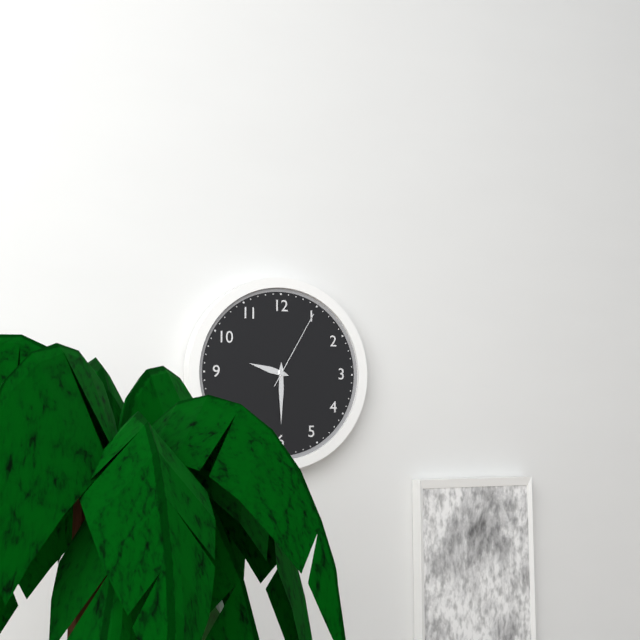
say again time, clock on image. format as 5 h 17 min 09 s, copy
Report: 9 h 30 min 05 s
